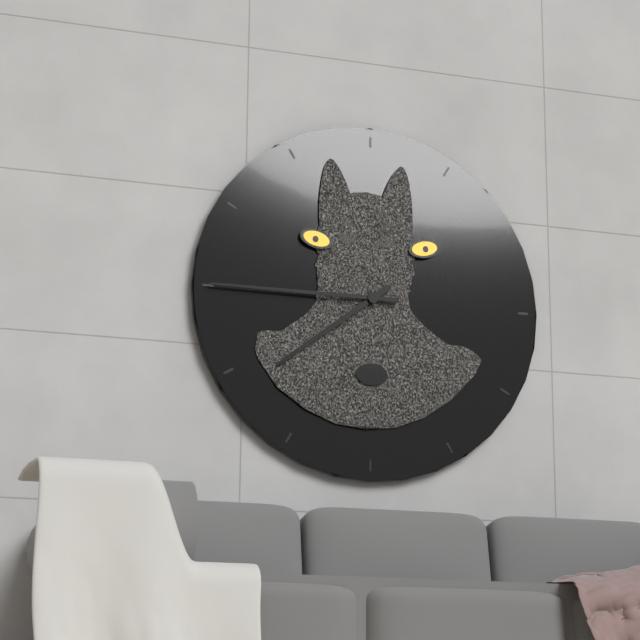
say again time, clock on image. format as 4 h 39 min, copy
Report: 7 h 45 min
